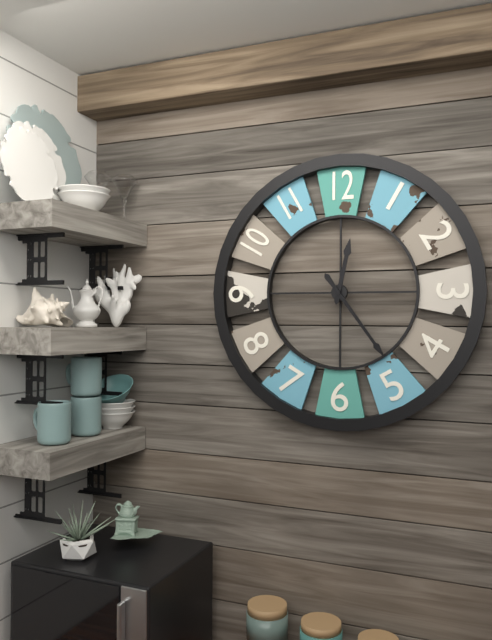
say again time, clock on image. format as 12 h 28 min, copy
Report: 12 h 24 min
